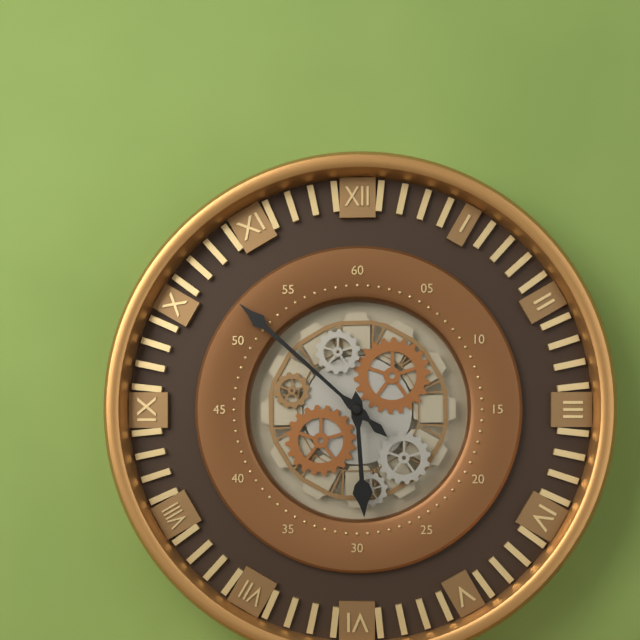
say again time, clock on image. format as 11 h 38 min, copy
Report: 5 h 52 min
